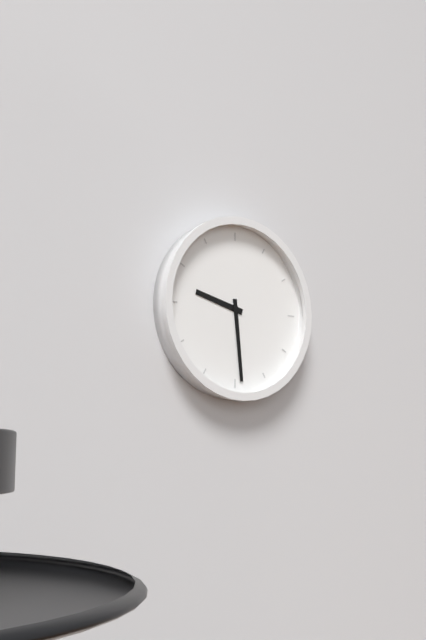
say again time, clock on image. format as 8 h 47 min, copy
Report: 9 h 29 min
